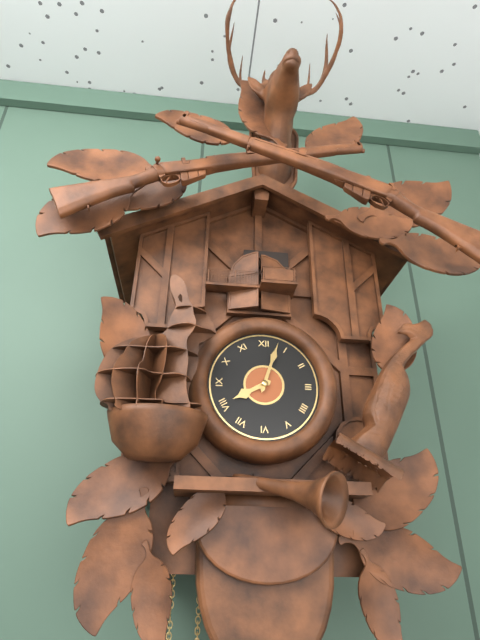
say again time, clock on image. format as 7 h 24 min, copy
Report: 8 h 03 min
